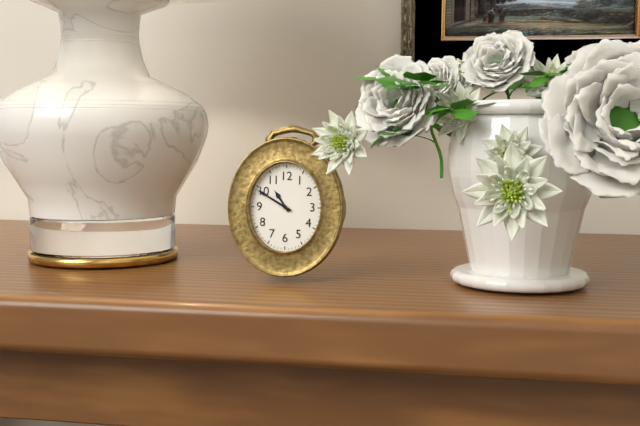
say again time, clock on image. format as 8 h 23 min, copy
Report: 10 h 50 min
